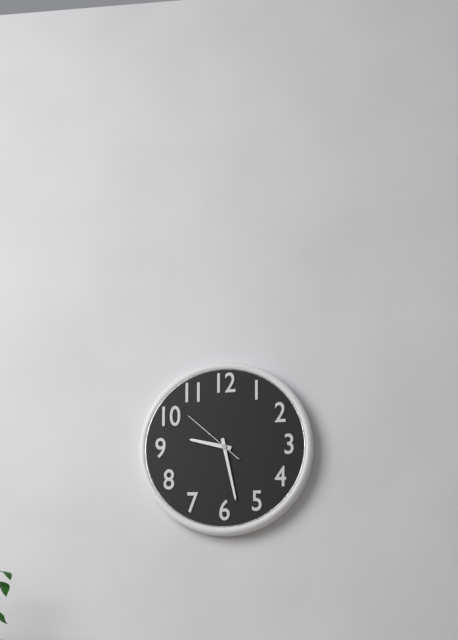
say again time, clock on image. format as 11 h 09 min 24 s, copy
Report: 9 h 28 min 52 s
